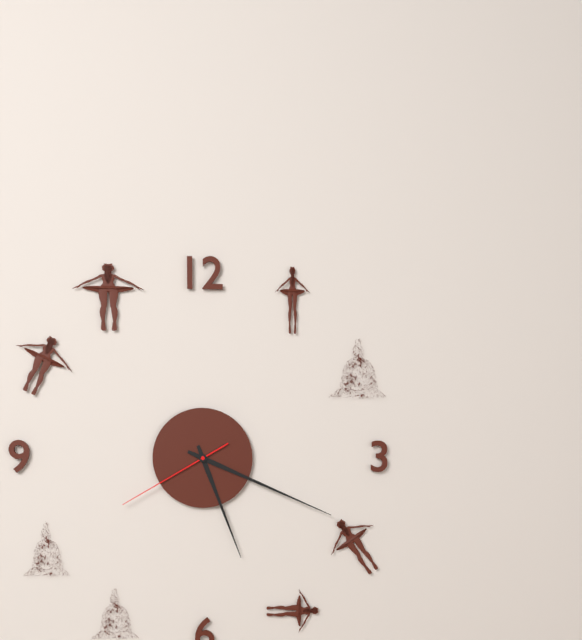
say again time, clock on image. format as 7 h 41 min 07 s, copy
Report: 5 h 19 min 40 s
